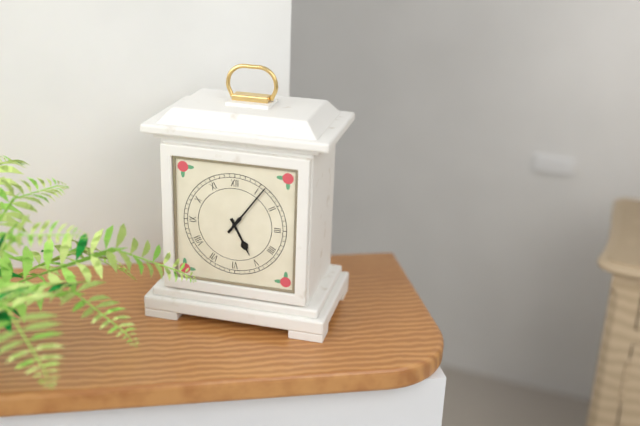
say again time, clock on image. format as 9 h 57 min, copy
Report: 5 h 06 min
